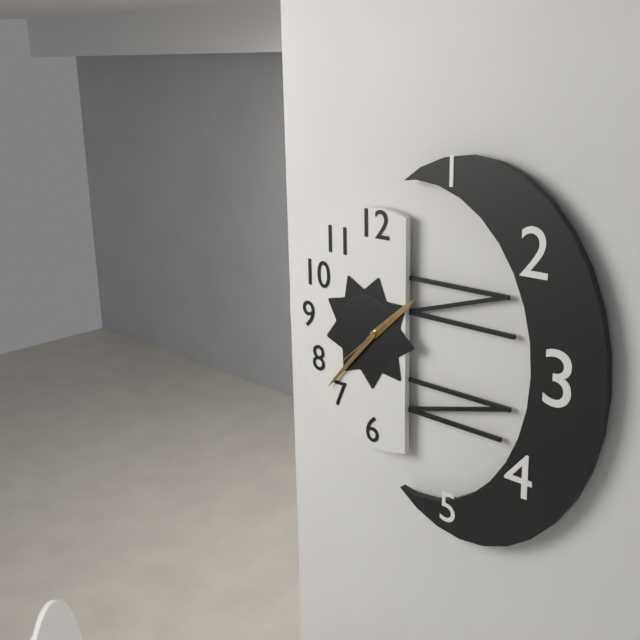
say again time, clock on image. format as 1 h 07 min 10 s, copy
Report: 1 h 37 min 38 s
